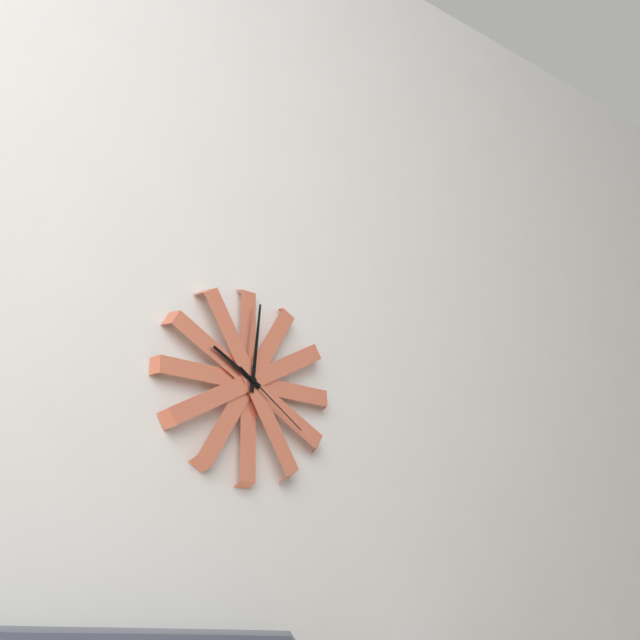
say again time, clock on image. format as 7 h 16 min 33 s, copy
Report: 10 h 01 min 21 s
